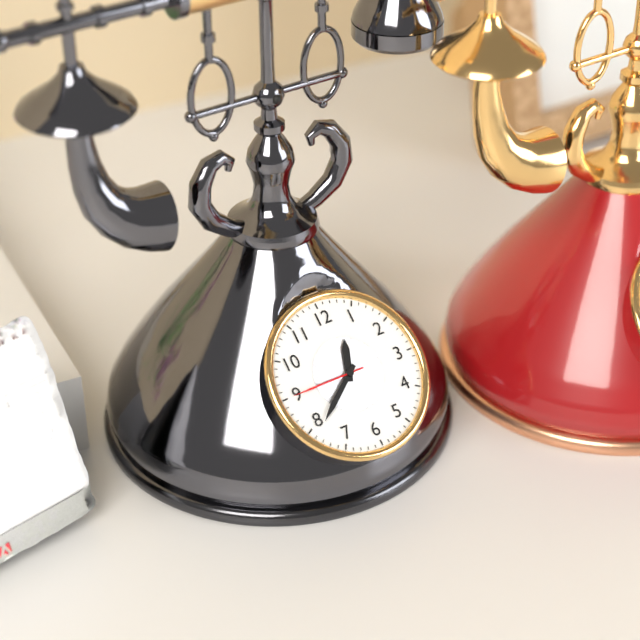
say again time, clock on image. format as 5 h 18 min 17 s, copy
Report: 12 h 39 min 45 s
